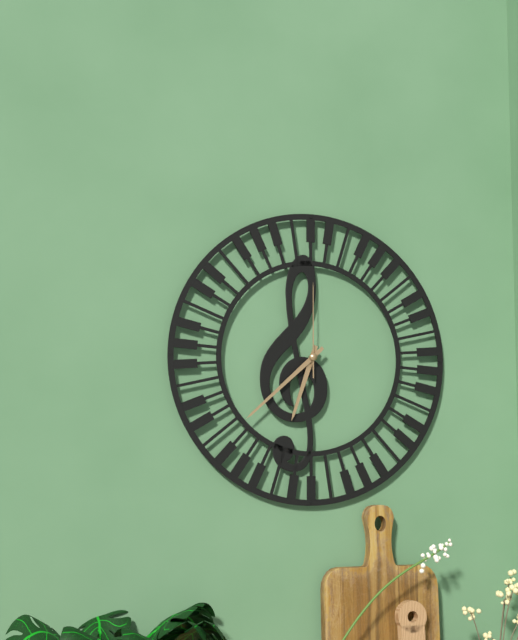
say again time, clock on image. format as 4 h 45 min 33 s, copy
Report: 6 h 38 min 00 s
